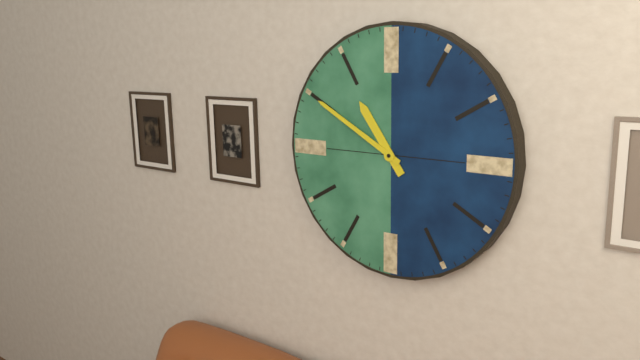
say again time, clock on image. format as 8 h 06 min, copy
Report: 10 h 50 min
